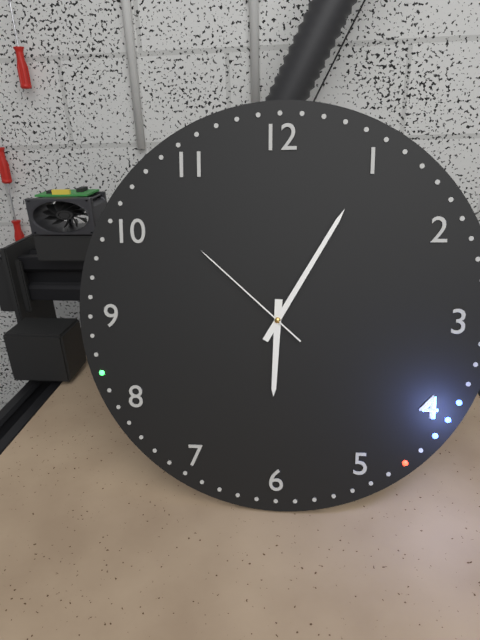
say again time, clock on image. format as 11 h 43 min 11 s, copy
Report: 6 h 05 min 52 s
